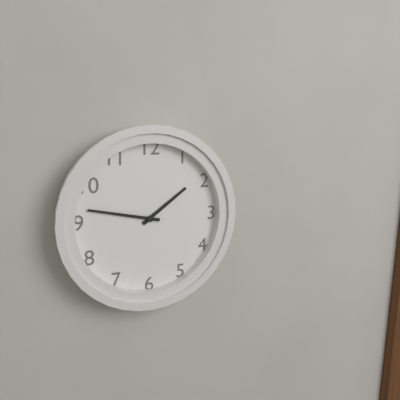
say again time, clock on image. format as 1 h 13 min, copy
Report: 1 h 47 min
